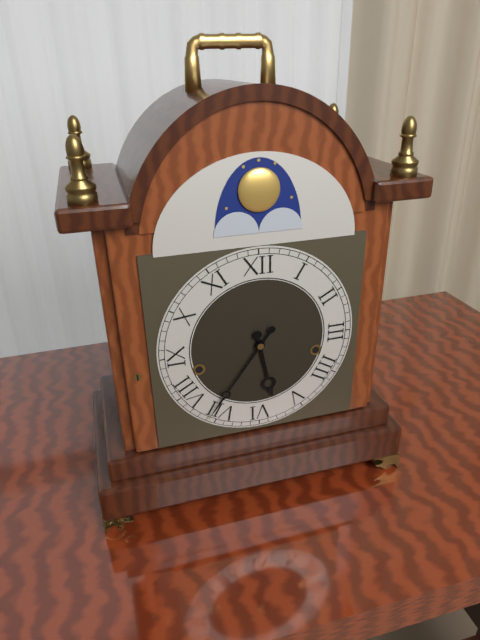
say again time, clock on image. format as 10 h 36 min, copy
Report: 5 h 36 min
